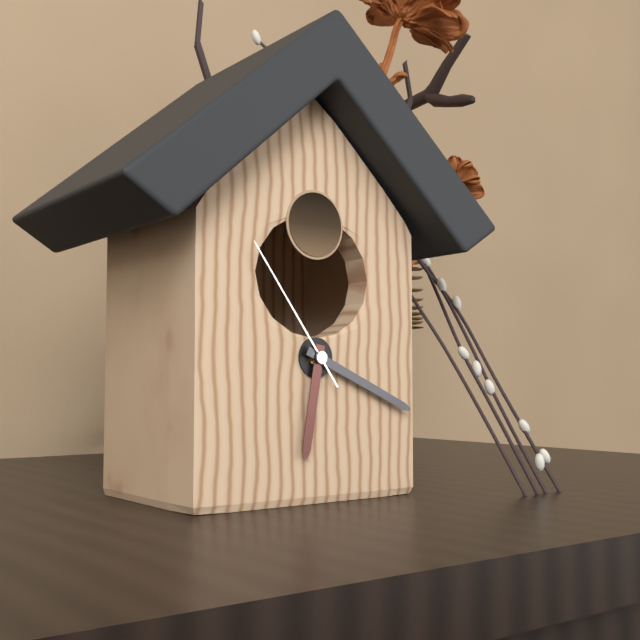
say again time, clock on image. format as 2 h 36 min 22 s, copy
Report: 6 h 19 min 54 s
